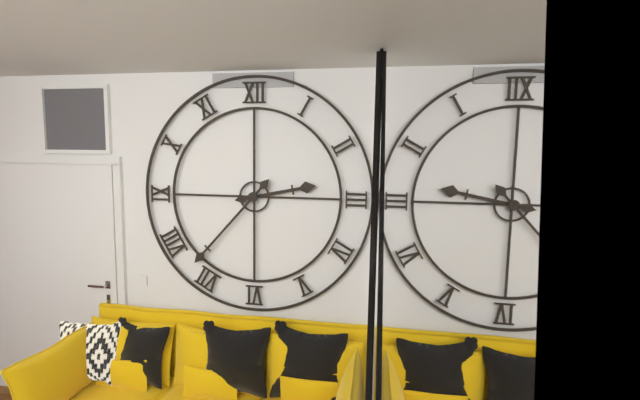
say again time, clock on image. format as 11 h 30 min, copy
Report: 2 h 37 min
